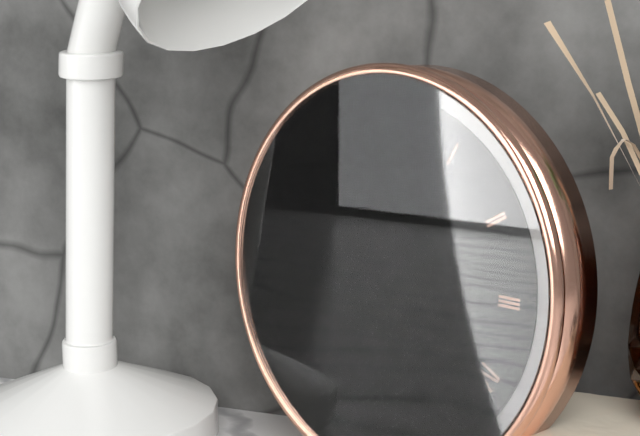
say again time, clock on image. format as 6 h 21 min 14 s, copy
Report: 7 h 40 min 36 s
